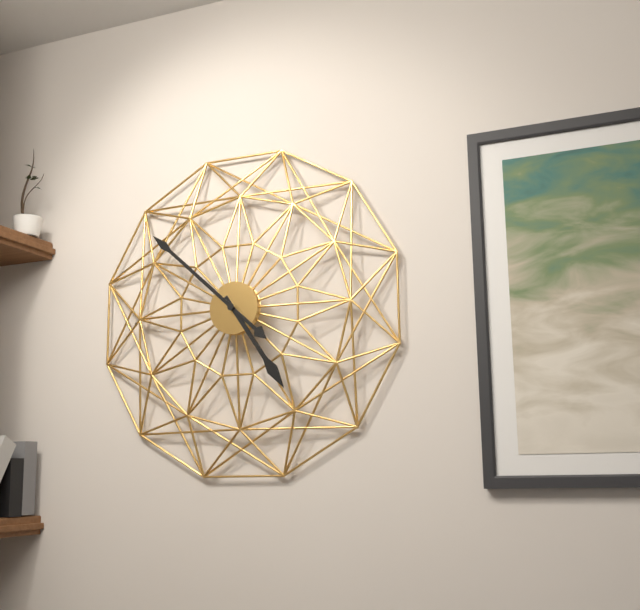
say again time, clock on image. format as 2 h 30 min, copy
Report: 4 h 52 min
